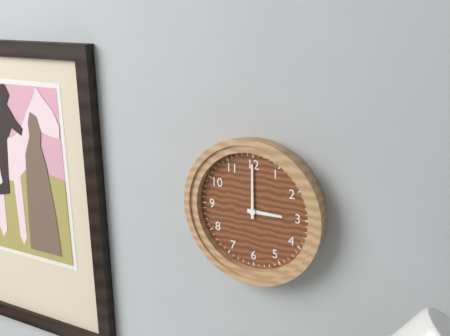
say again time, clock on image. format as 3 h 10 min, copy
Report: 3 h 00 min
